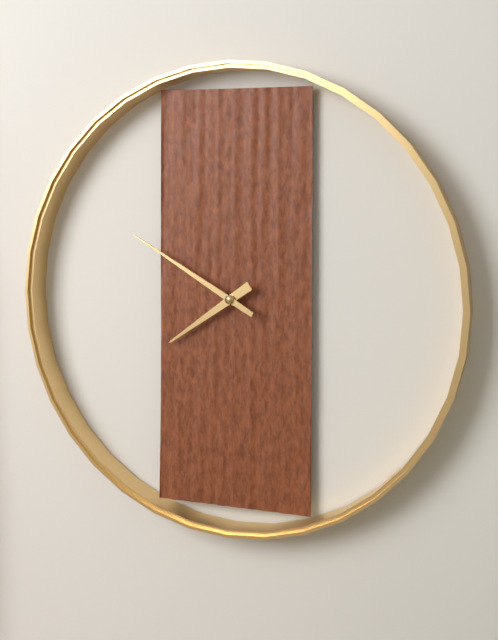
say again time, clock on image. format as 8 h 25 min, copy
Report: 7 h 50 min
